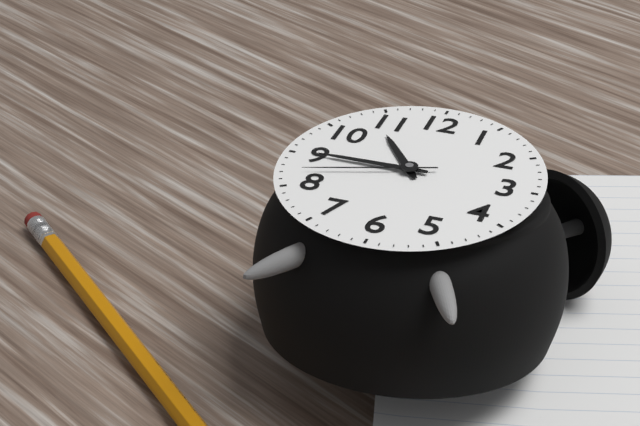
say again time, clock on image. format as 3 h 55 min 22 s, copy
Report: 10 h 45 min 42 s
